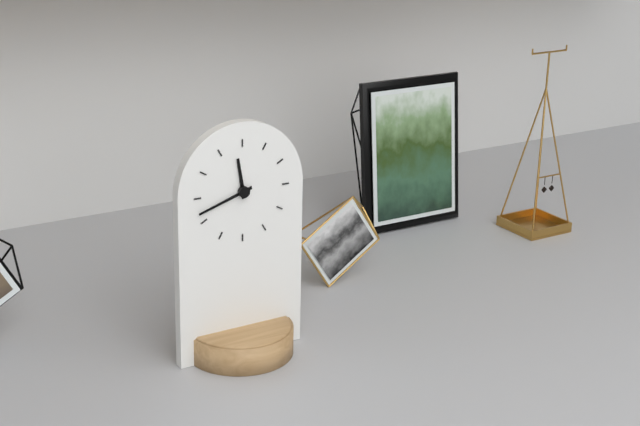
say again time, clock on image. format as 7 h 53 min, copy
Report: 11 h 42 min
